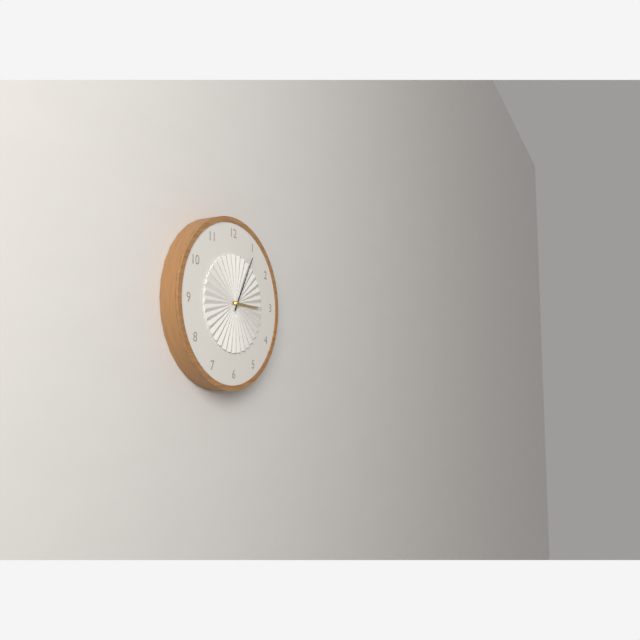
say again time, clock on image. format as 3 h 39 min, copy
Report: 3 h 05 min
